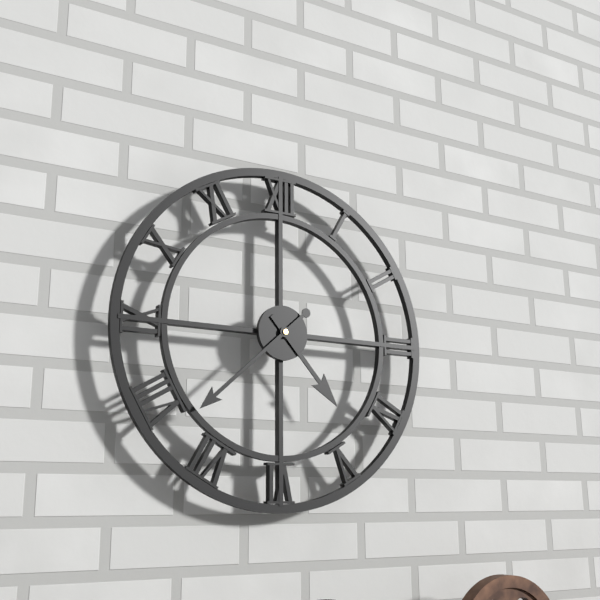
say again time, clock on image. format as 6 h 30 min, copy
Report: 4 h 38 min
